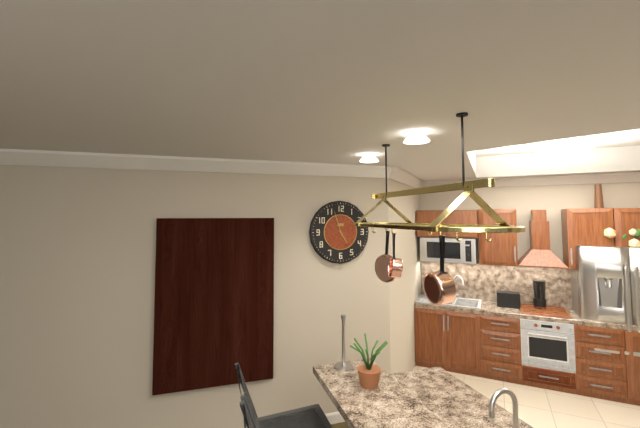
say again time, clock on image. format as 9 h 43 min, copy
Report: 4 h 57 min
